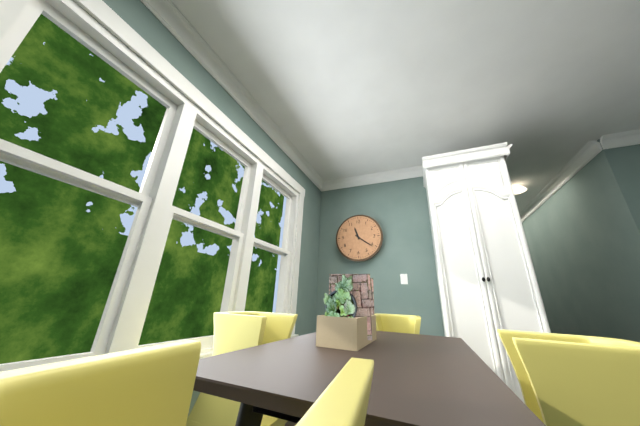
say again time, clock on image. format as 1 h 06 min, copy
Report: 11 h 21 min
